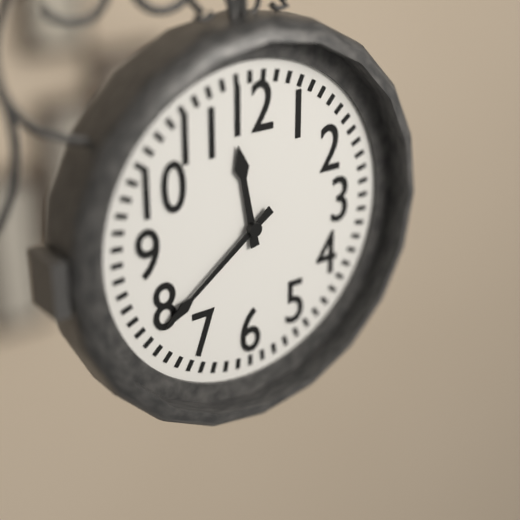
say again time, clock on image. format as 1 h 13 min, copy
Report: 11 h 39 min
